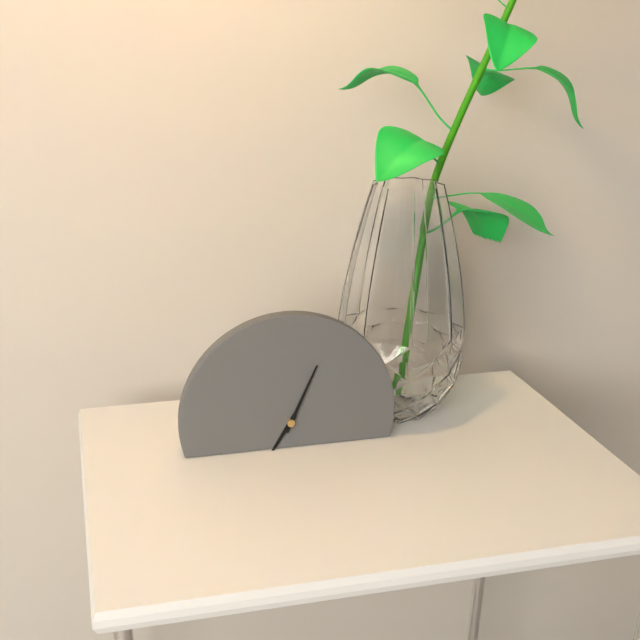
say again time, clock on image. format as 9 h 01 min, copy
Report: 7 h 04 min
